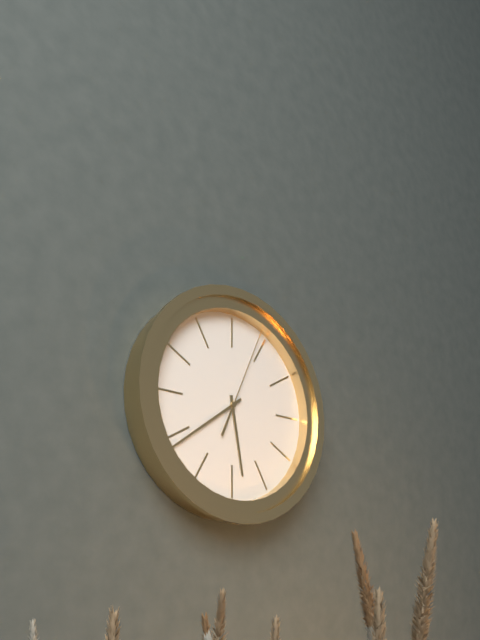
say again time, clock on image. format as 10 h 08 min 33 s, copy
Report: 5 h 39 min 04 s
